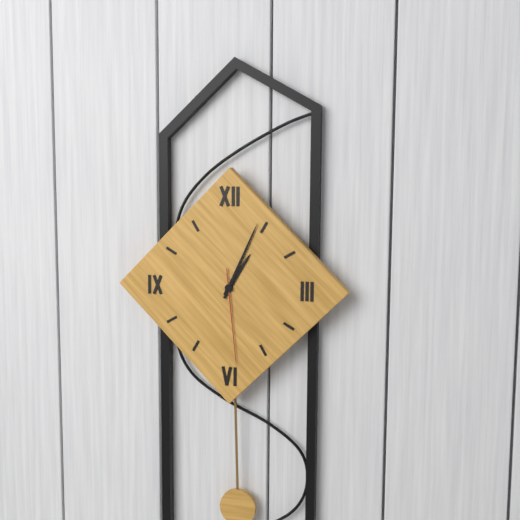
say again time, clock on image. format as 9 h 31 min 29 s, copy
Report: 1 h 04 min 29 s
